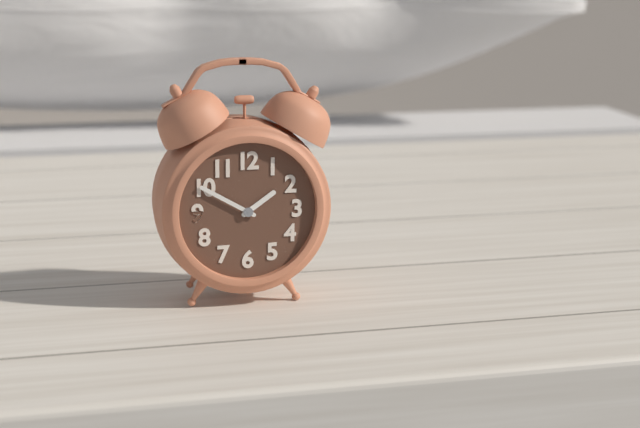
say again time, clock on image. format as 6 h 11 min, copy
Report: 1 h 50 min
